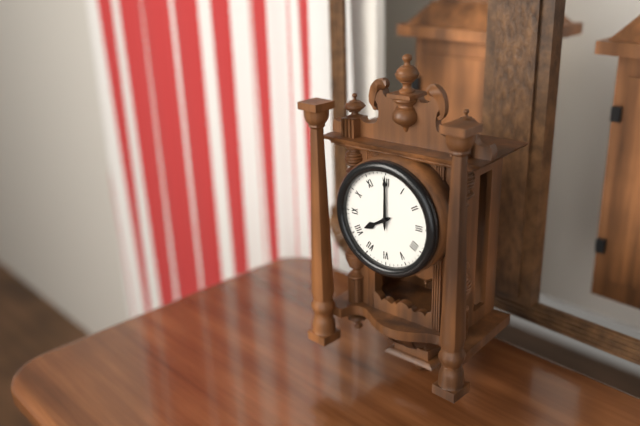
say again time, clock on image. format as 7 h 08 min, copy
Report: 8 h 00 min
